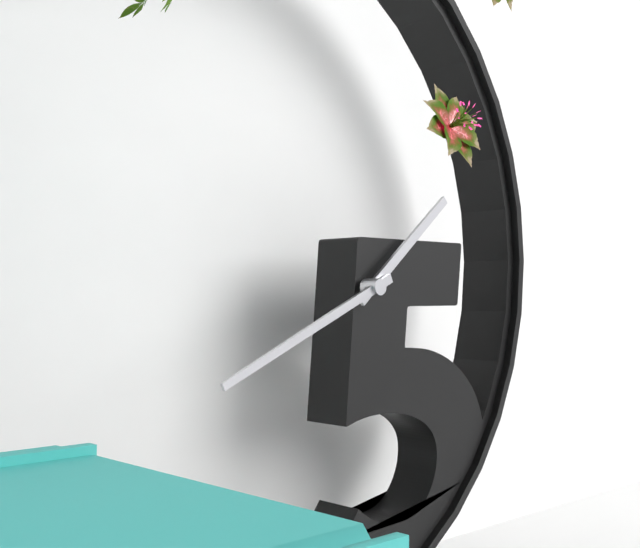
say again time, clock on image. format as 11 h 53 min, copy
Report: 1 h 41 min
